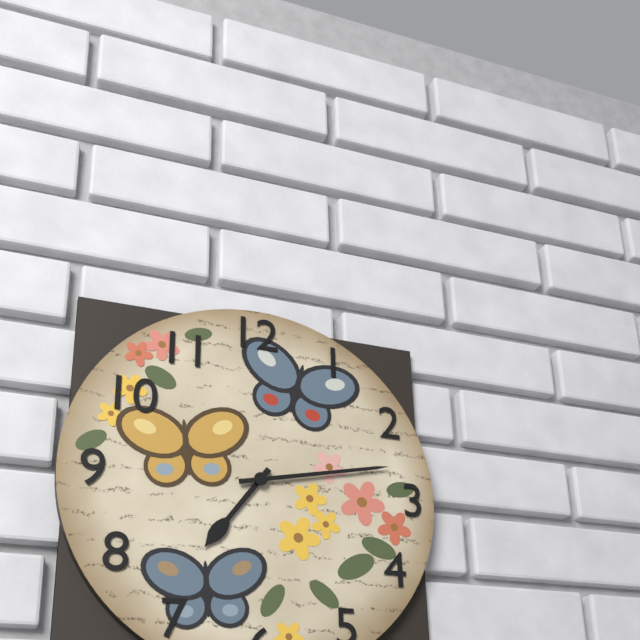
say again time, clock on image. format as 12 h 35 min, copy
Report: 7 h 13 min
